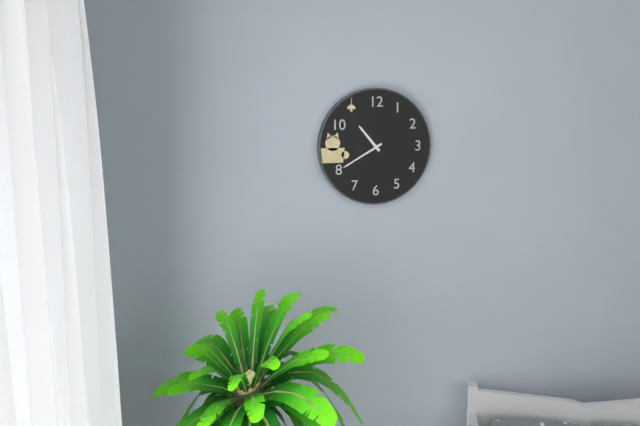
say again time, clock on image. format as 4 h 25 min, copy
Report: 10 h 40 min
